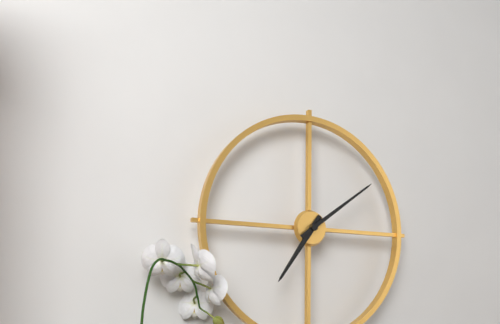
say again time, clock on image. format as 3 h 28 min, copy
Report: 7 h 09 min
